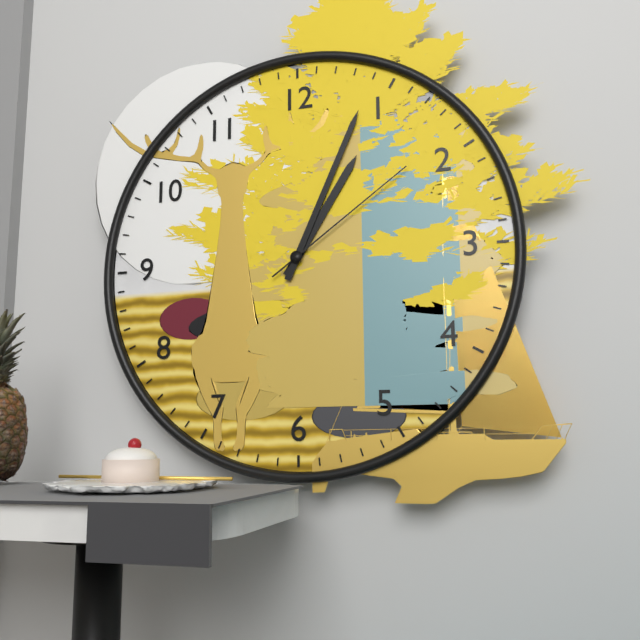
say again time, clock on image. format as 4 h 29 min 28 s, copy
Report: 1 h 04 min 09 s
